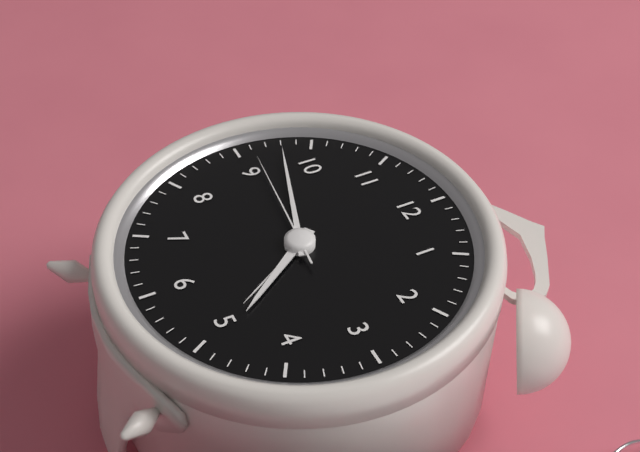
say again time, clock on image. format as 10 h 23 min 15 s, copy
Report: 4 h 48 min 46 s
